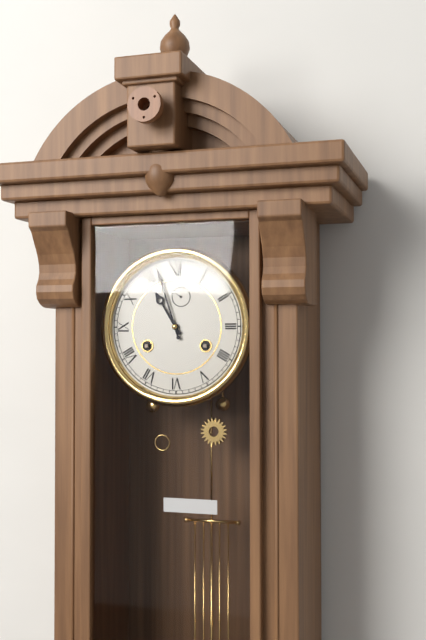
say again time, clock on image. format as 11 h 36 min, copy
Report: 10 h 57 min
